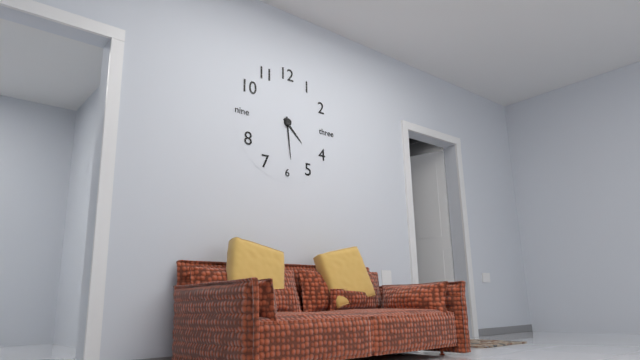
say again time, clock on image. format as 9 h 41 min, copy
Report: 4 h 29 min
